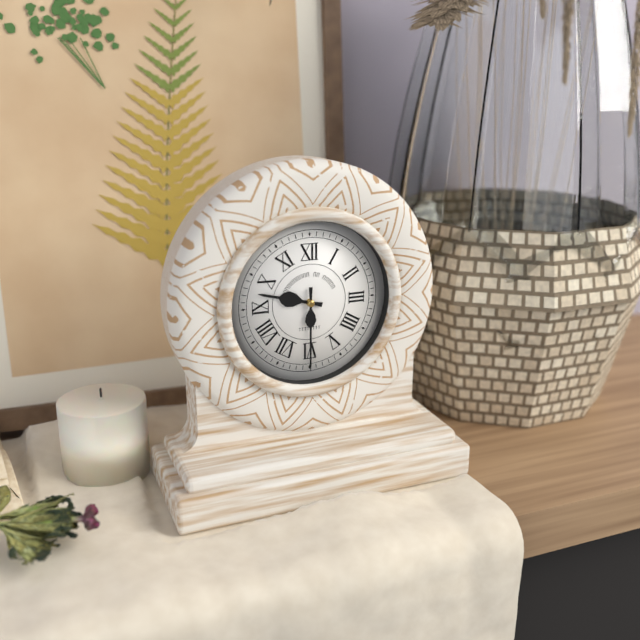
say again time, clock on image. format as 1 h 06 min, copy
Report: 9 h 30 min
